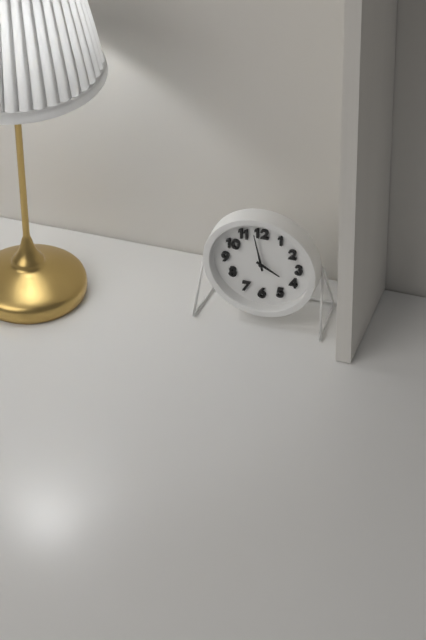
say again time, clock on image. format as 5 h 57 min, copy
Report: 3 h 58 min
